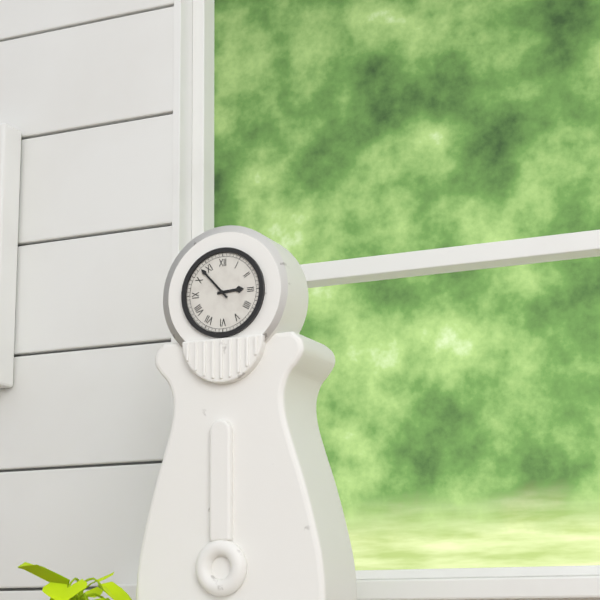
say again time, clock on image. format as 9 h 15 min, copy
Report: 2 h 53 min
